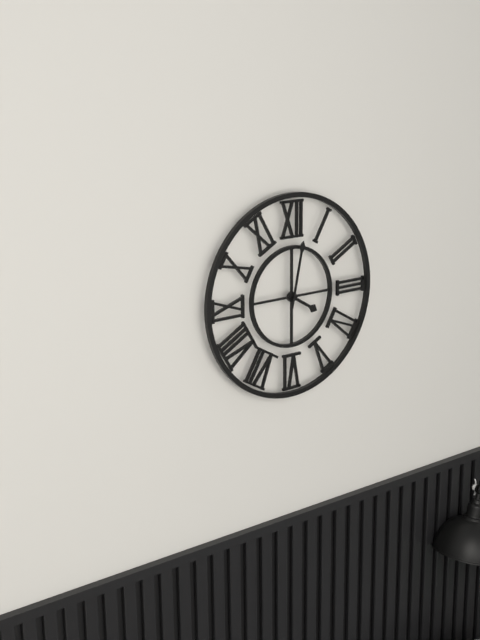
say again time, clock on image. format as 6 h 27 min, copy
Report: 4 h 02 min
